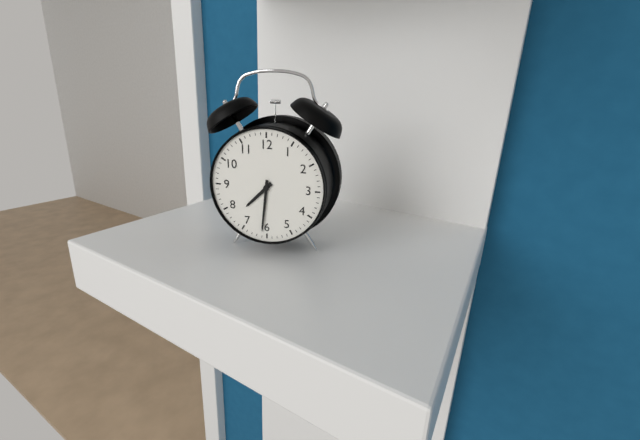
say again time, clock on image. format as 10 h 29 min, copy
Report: 7 h 31 min
